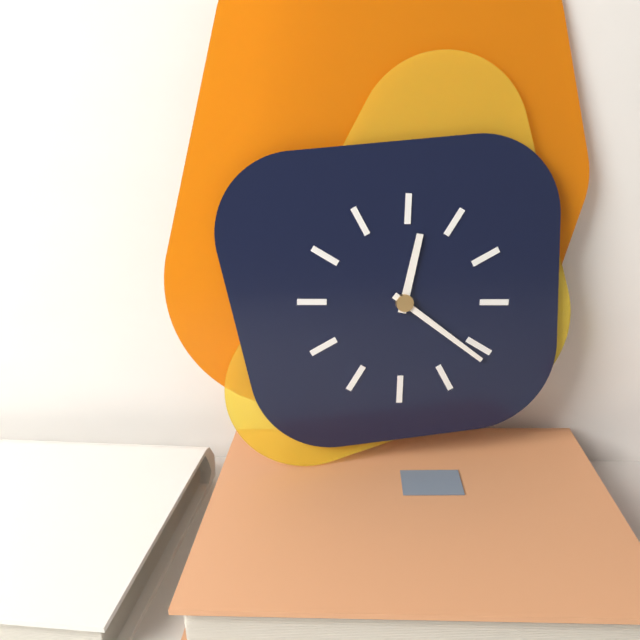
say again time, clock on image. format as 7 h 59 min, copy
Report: 12 h 21 min
